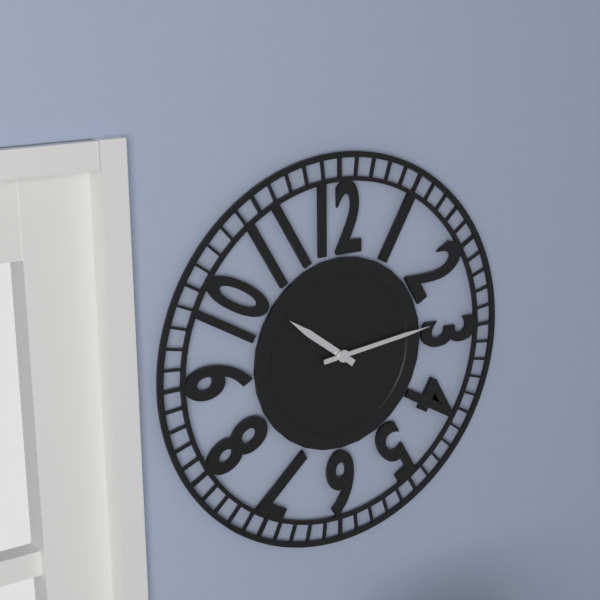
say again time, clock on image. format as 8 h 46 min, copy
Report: 10 h 14 min
